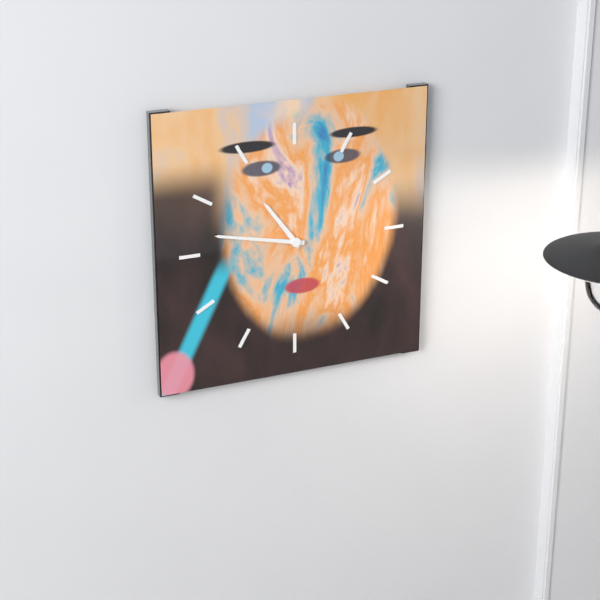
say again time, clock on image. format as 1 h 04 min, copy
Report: 10 h 47 min
